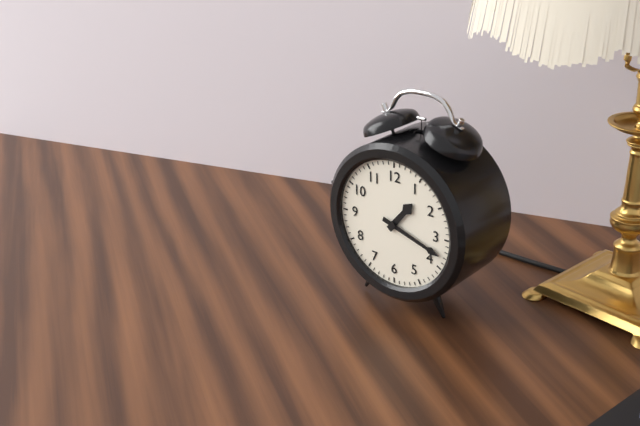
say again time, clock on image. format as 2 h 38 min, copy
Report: 1 h 18 min
